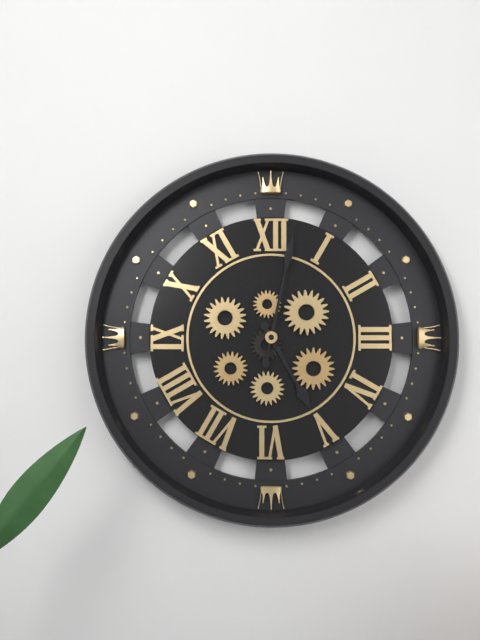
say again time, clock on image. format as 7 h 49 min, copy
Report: 5 h 02 min
